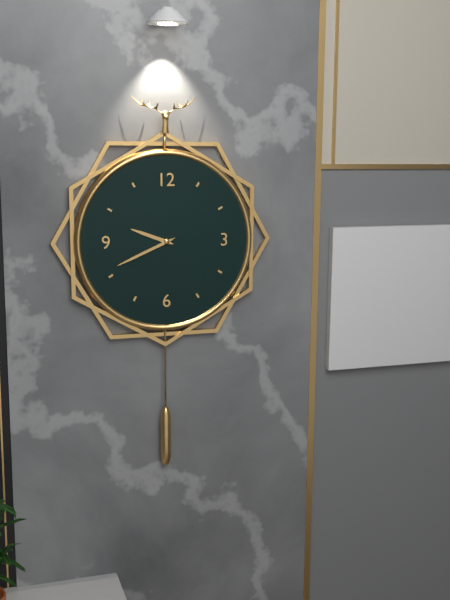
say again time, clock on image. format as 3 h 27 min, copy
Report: 9 h 41 min
